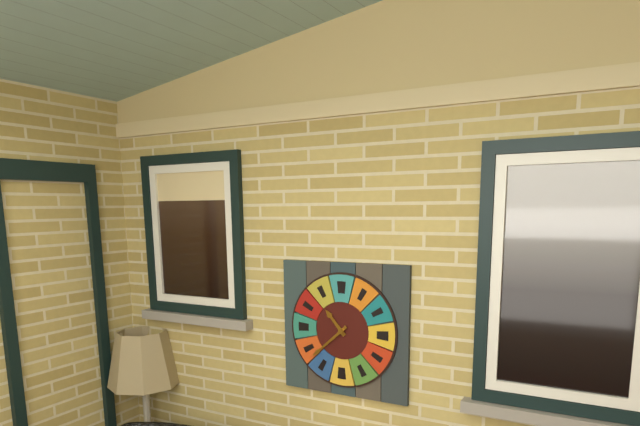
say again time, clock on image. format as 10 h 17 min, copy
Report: 10 h 38 min
